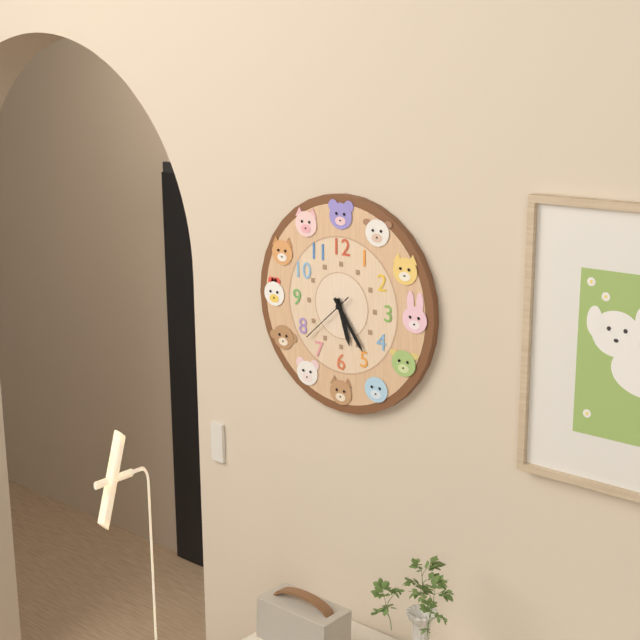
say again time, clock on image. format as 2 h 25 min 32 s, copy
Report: 5 h 24 min 38 s
